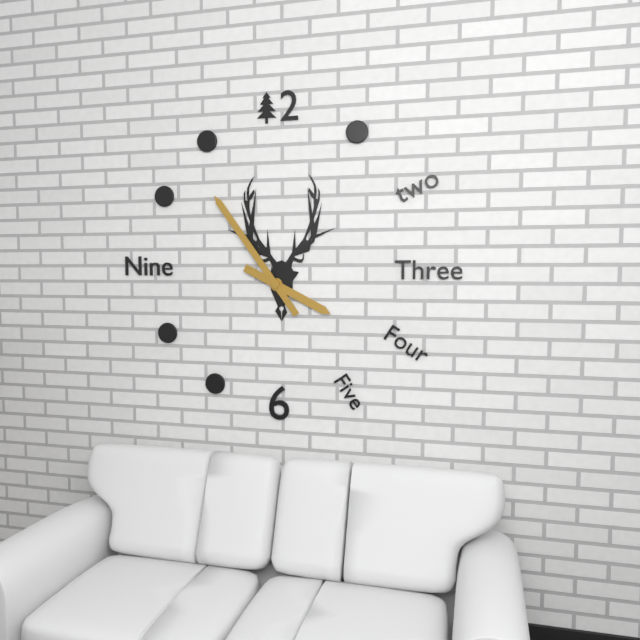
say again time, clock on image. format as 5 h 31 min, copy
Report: 3 h 54 min
